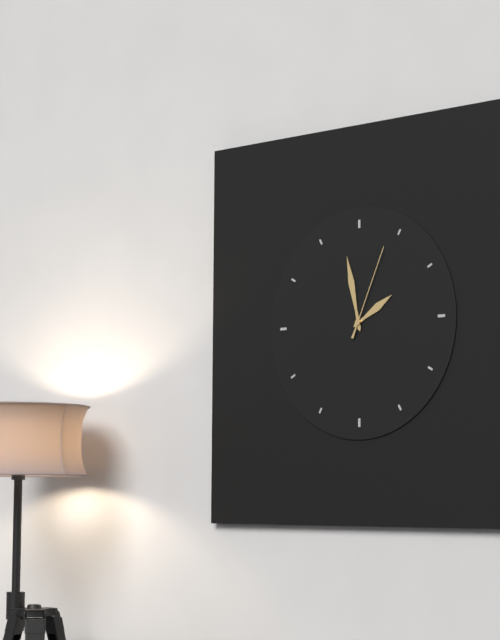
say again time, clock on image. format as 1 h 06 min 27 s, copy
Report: 1 h 58 min 04 s
